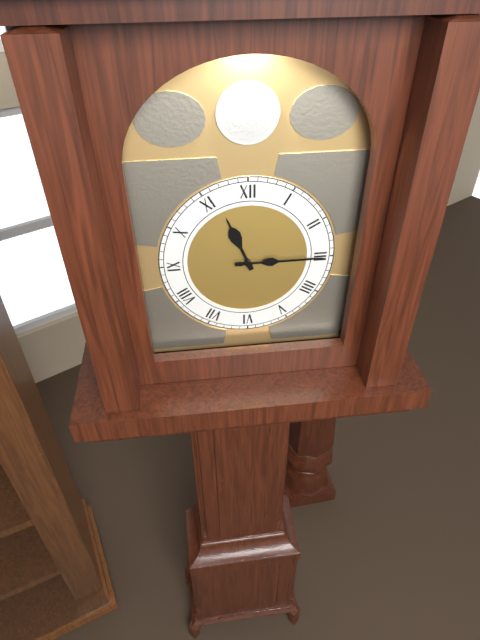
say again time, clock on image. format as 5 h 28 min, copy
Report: 11 h 15 min
